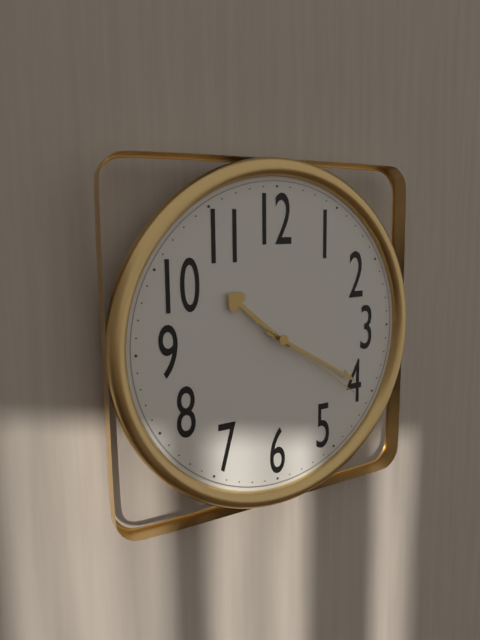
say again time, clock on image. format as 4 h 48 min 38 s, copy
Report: 10 h 20 min 21 s
